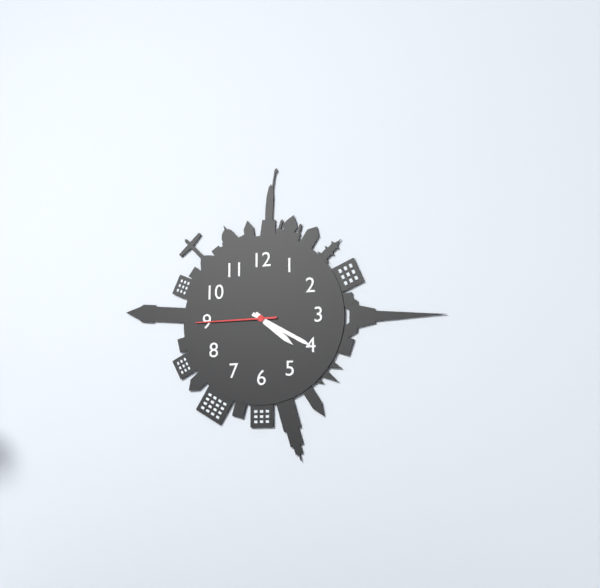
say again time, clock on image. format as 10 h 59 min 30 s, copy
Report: 4 h 20 min 45 s
